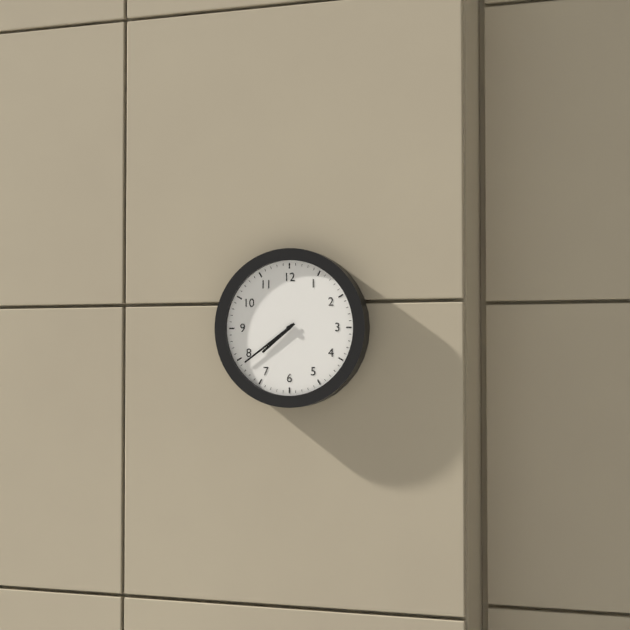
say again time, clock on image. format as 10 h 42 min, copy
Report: 7 h 39 min
